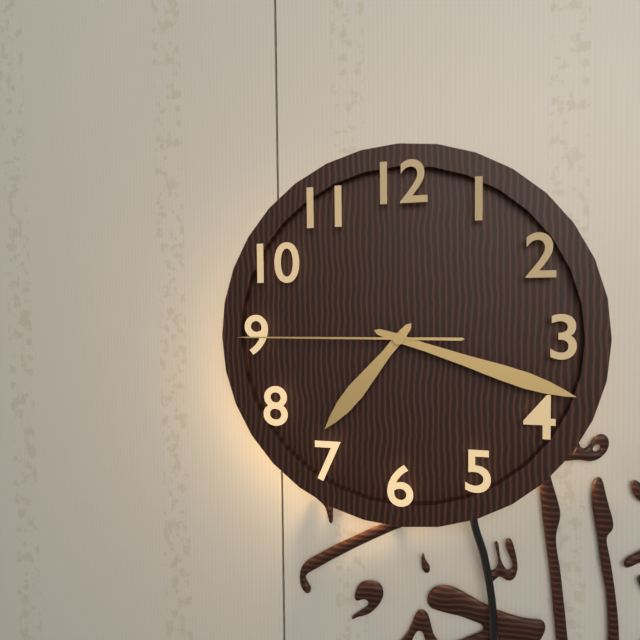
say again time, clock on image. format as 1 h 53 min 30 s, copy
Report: 7 h 18 min 45 s
